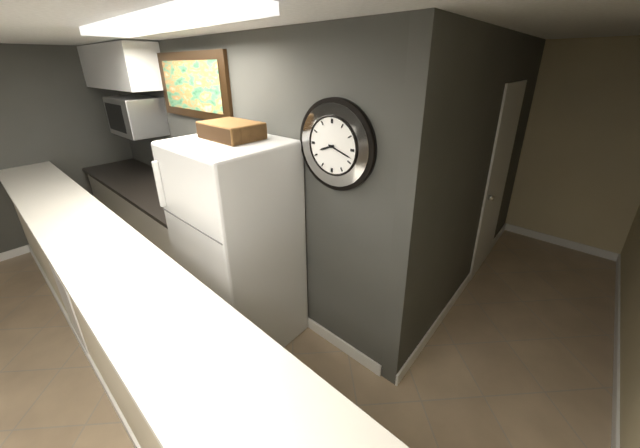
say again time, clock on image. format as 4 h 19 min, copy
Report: 8 h 18 min
